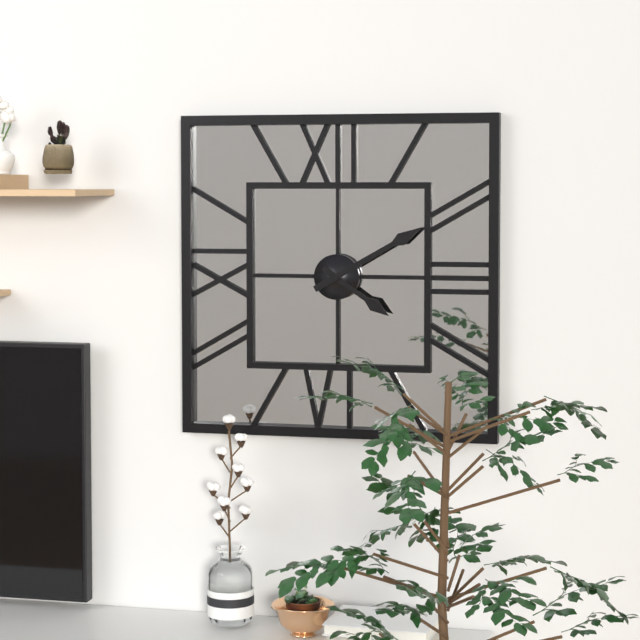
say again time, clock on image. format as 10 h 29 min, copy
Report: 4 h 10 min
